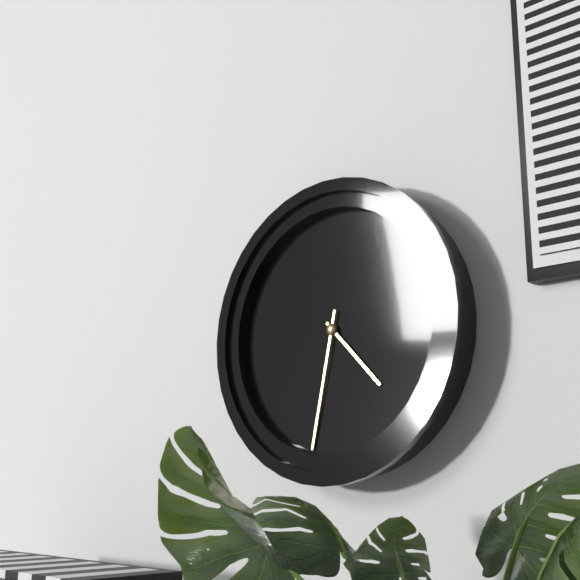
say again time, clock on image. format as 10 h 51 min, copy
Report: 4 h 32 min
